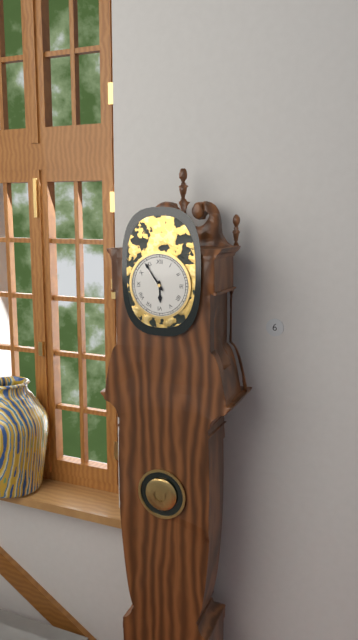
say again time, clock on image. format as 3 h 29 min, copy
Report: 5 h 54 min
